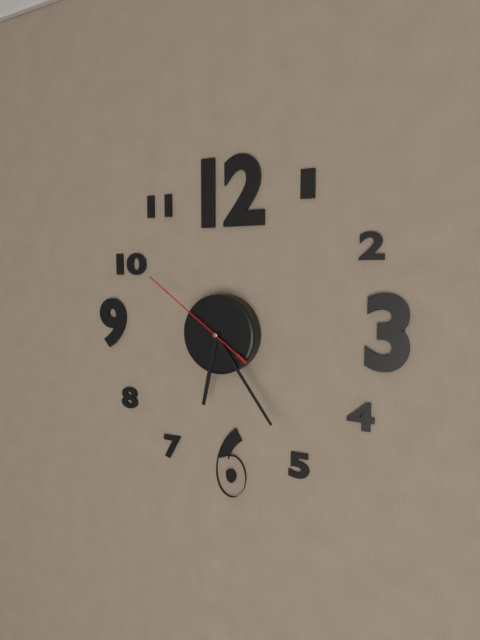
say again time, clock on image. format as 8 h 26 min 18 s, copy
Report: 6 h 24 min 51 s
